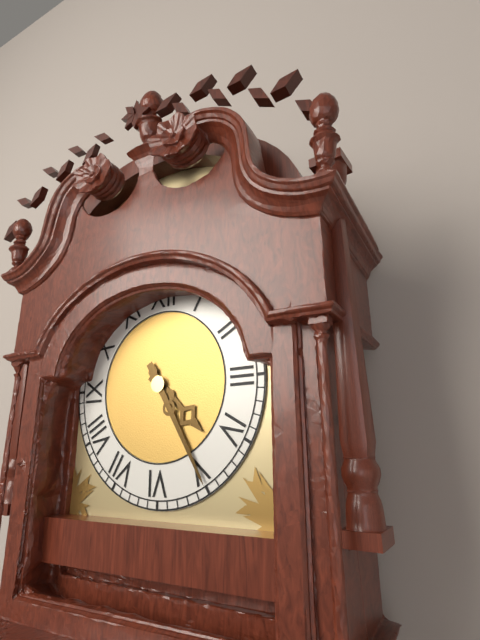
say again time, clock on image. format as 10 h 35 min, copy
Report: 4 h 25 min
